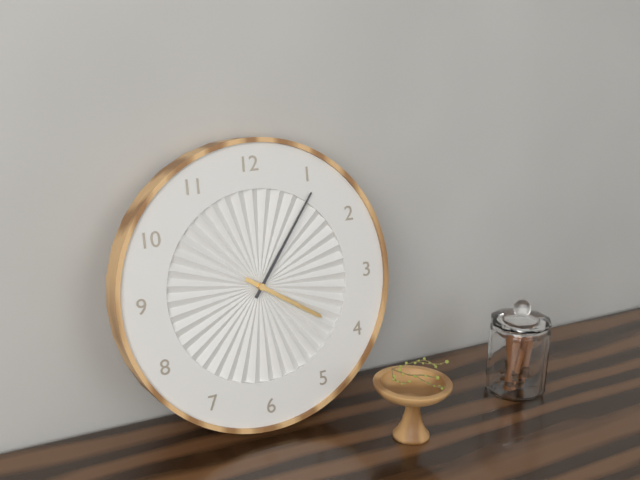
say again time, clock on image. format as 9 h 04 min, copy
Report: 4 h 06 min
